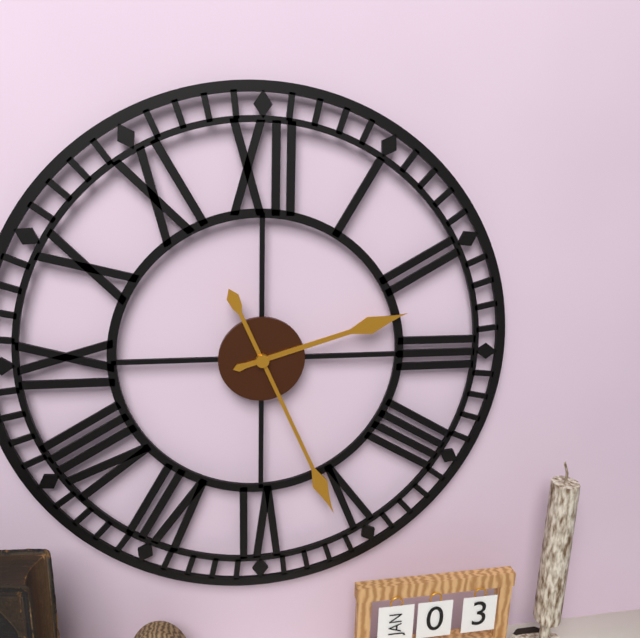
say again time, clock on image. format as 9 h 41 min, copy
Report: 2 h 26 min
